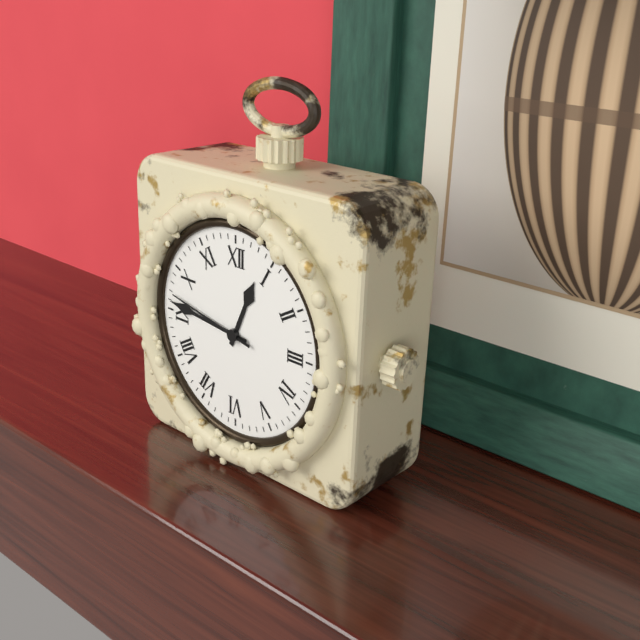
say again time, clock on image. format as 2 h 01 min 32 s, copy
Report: 12 h 46 min 47 s
